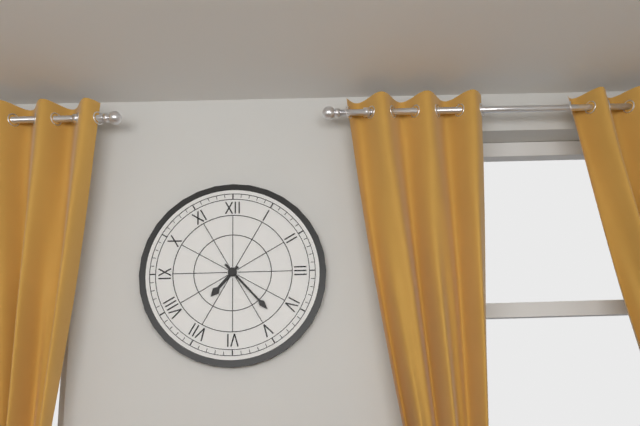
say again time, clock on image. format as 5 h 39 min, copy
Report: 7 h 23 min
